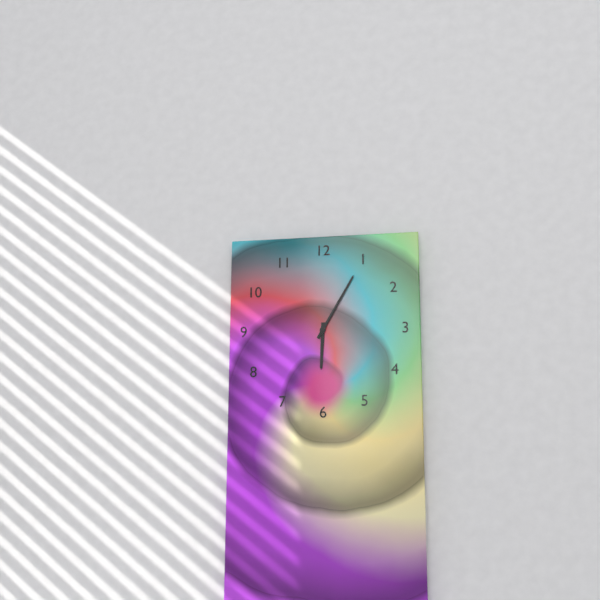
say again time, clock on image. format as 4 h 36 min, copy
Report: 6 h 05 min
